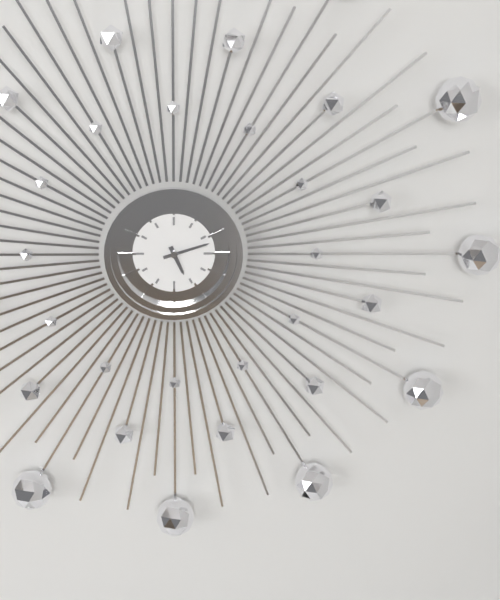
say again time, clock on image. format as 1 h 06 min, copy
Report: 5 h 12 min
